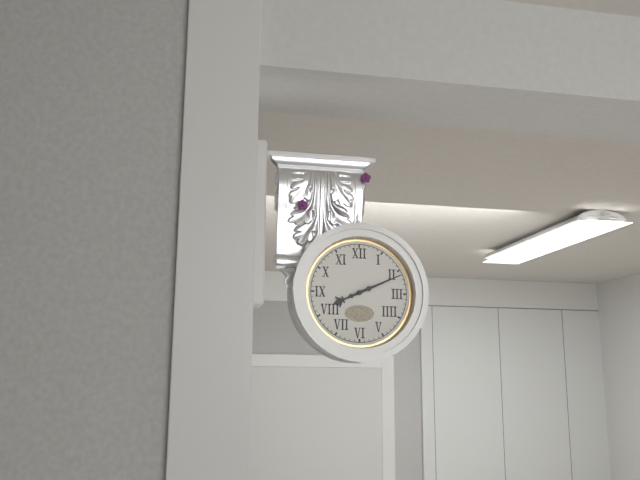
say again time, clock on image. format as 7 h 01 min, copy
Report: 8 h 11 min
